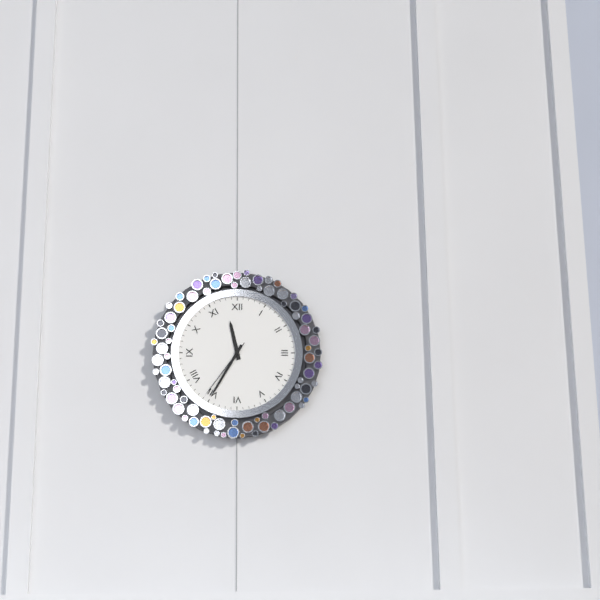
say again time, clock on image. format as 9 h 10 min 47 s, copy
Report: 11 h 35 min 36 s
